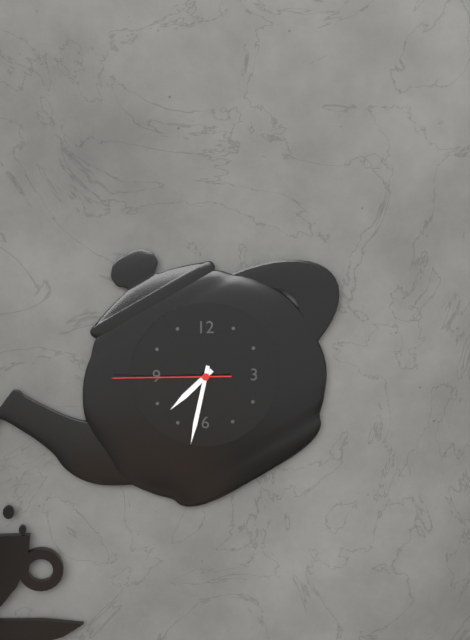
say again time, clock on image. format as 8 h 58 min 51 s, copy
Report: 7 h 32 min 45 s
